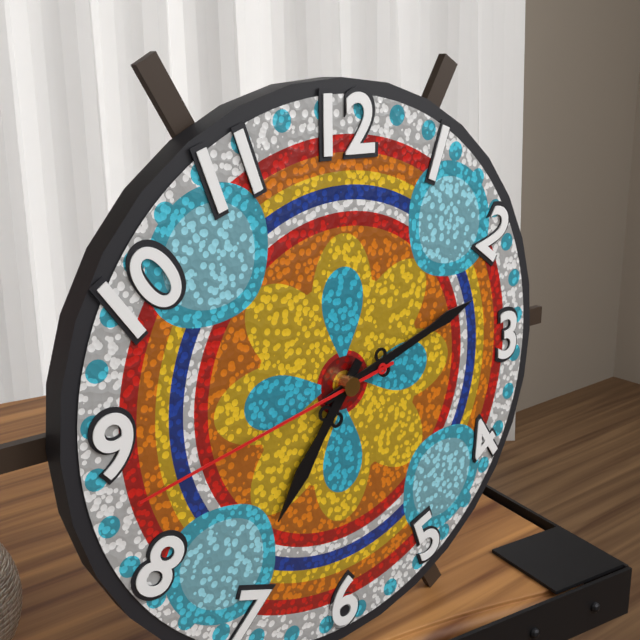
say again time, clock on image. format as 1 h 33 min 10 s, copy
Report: 7 h 12 min 43 s
